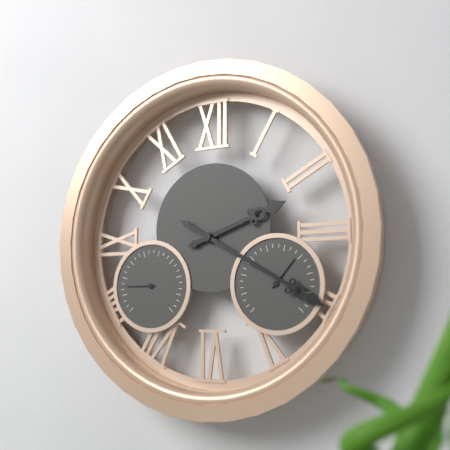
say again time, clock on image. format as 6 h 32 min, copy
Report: 2 h 20 min
